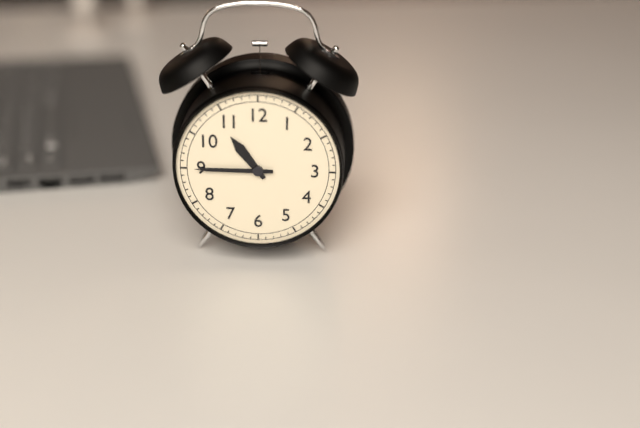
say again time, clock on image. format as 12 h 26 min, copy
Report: 10 h 45 min
